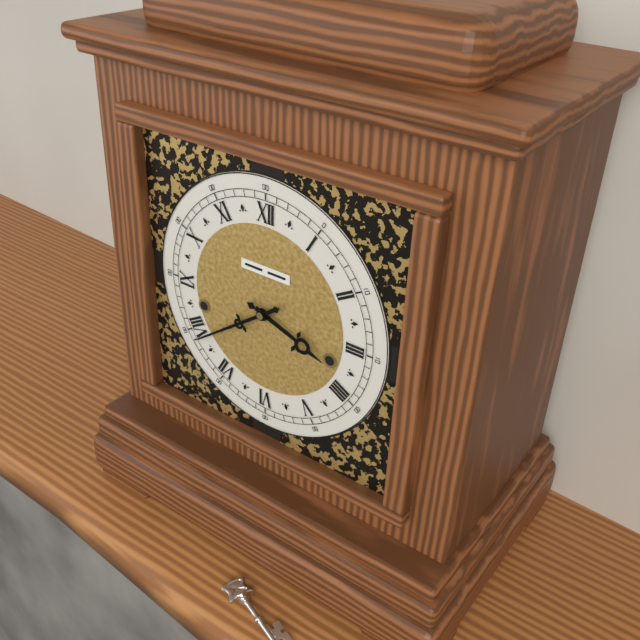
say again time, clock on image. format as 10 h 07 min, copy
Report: 3 h 39 min
